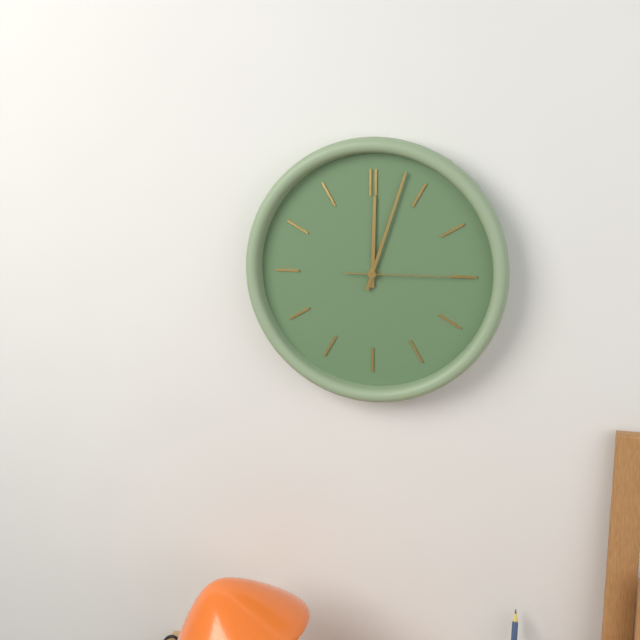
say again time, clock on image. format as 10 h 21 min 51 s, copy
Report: 12 h 03 min 15 s
